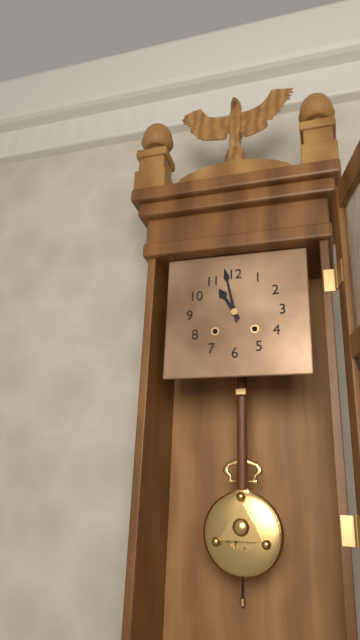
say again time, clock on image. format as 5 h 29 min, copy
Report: 10 h 58 min
